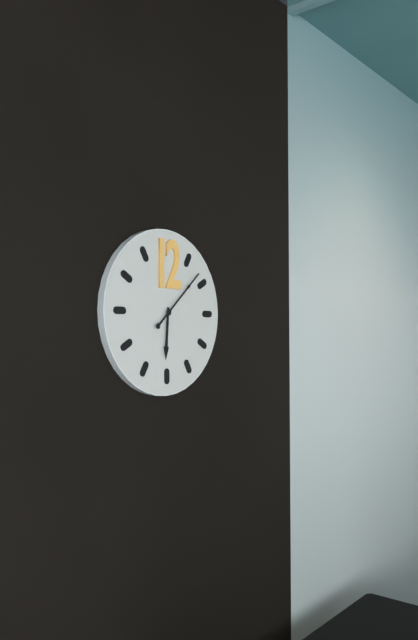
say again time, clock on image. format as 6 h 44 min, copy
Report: 6 h 08 min
